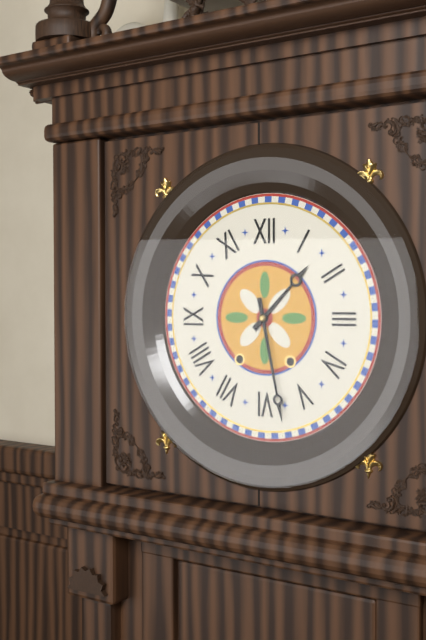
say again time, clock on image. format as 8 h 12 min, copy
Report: 1 h 28 min
